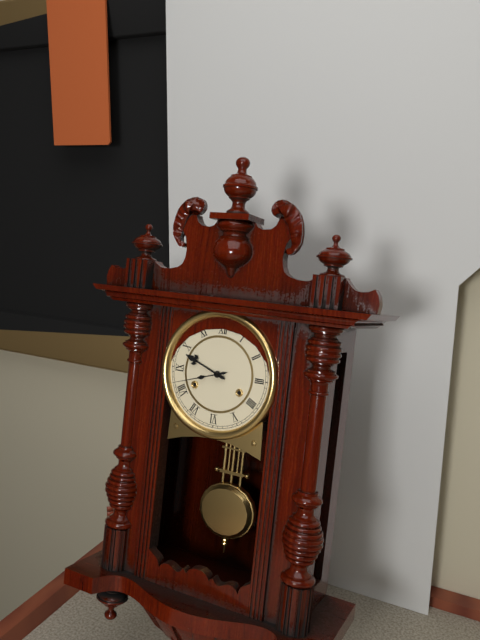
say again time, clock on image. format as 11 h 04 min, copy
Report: 9 h 42 min
